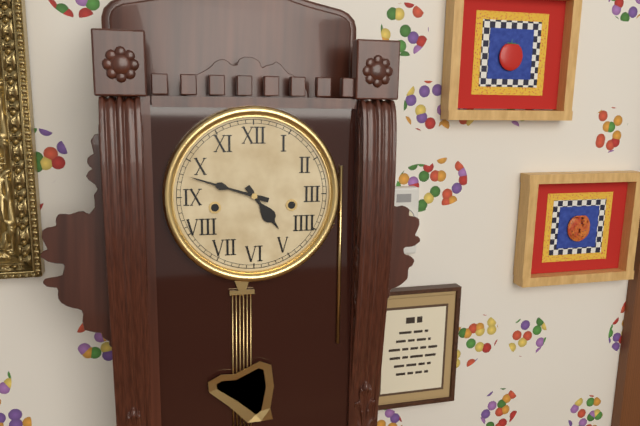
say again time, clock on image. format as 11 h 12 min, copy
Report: 4 h 48 min
